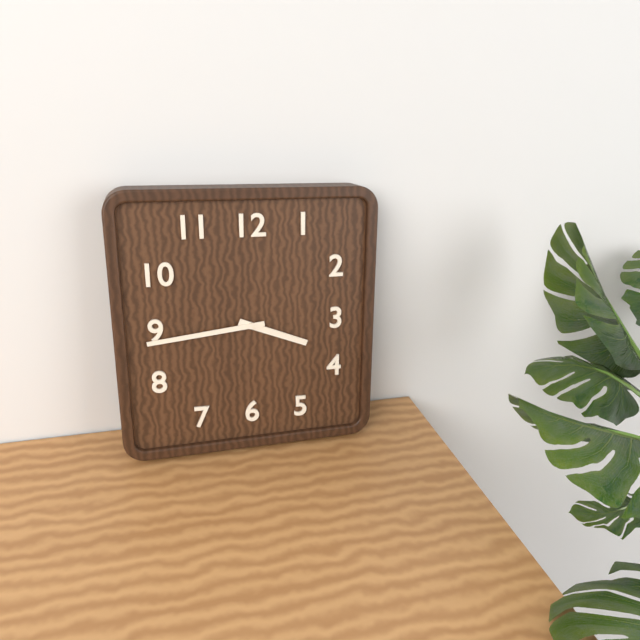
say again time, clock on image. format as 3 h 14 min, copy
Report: 3 h 44 min
